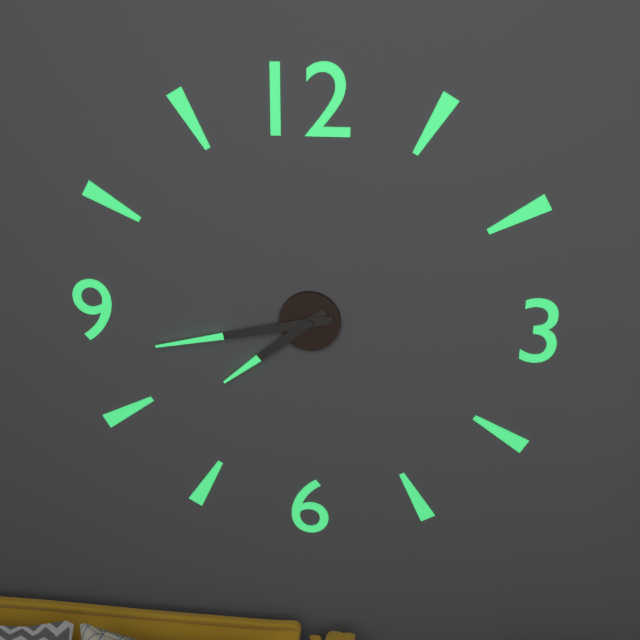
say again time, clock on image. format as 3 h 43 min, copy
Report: 7 h 43 min
